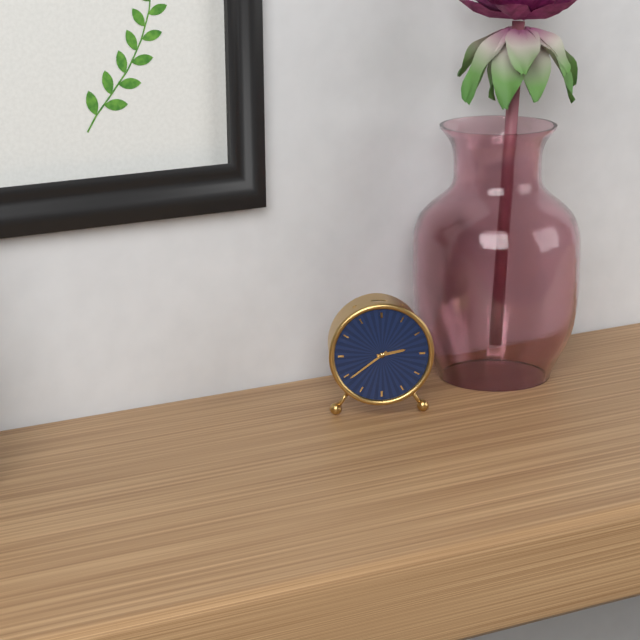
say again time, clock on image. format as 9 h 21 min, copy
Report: 2 h 39 min
